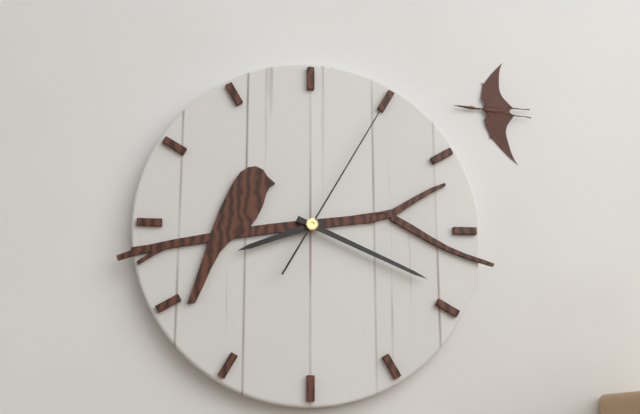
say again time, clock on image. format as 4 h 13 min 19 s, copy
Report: 8 h 19 min 05 s
